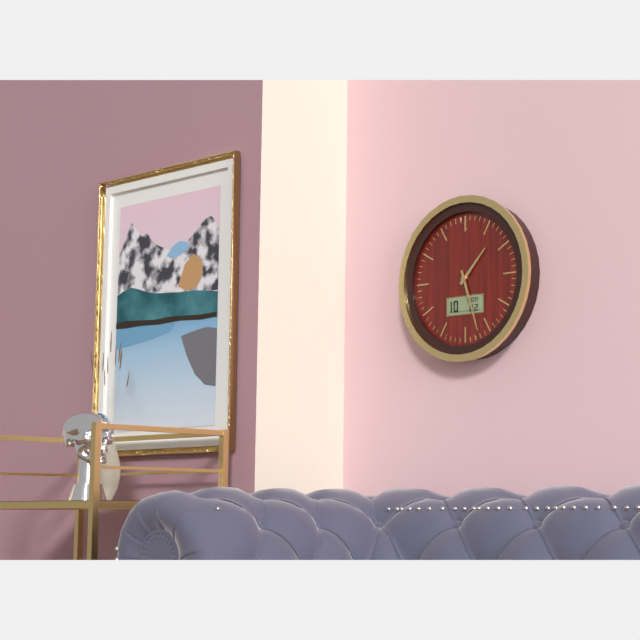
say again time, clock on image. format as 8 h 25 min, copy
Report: 1 h 27 min
